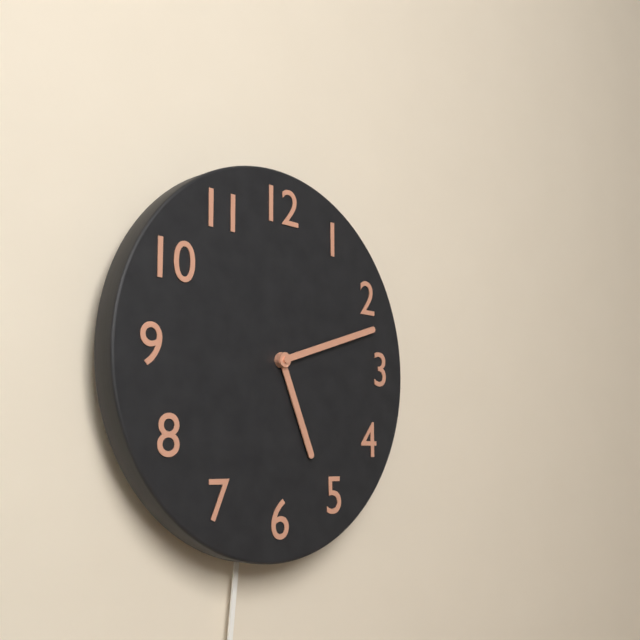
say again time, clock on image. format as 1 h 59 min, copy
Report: 5 h 12 min
